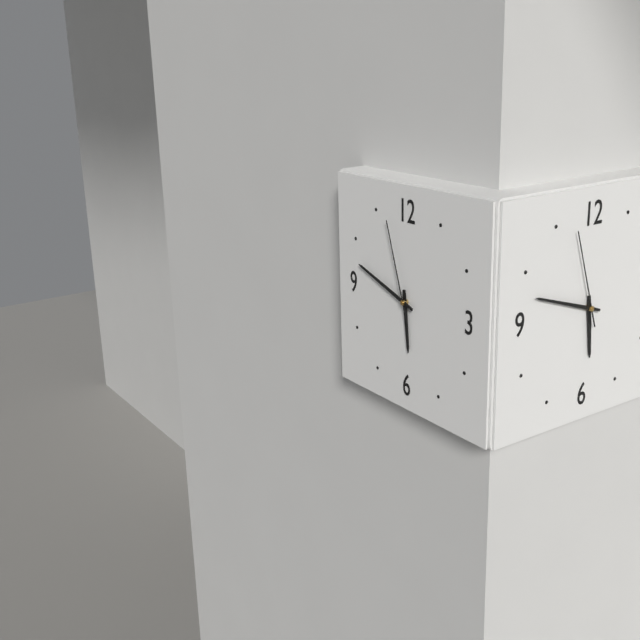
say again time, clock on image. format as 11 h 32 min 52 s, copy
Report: 5 h 48 min 57 s
